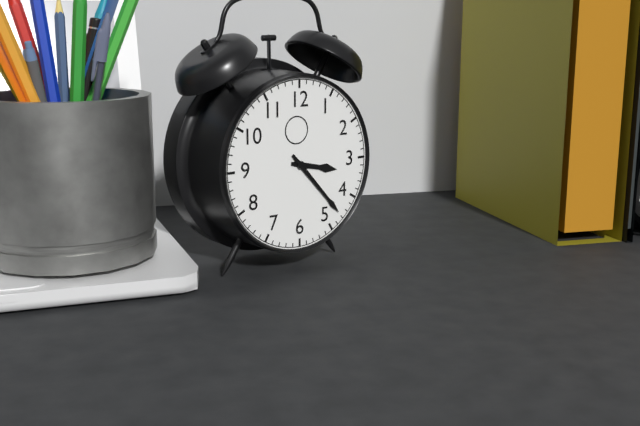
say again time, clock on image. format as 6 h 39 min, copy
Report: 3 h 23 min
